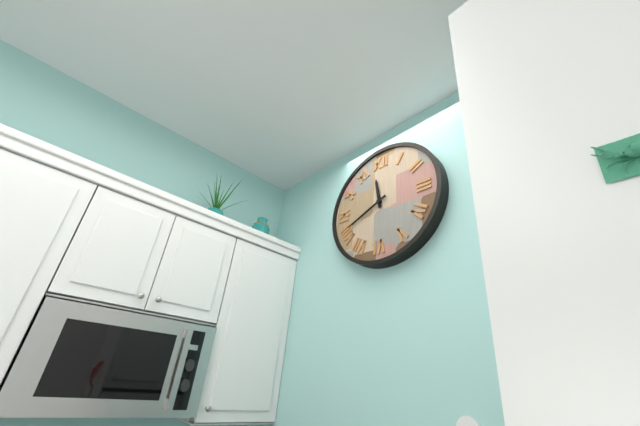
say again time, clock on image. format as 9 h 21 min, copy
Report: 11 h 41 min
